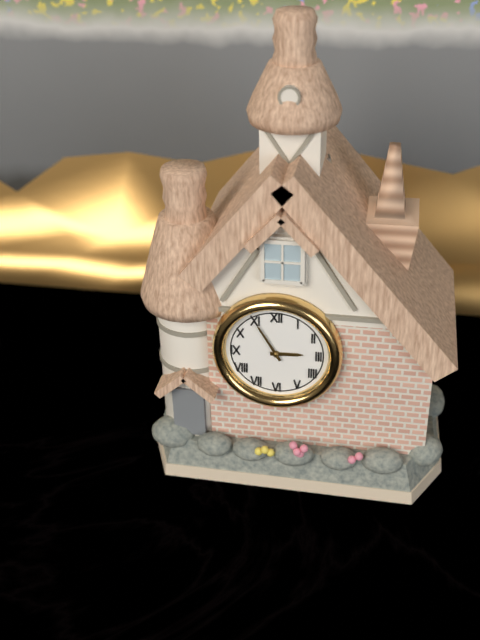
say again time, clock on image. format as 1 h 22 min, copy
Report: 2 h 55 min
